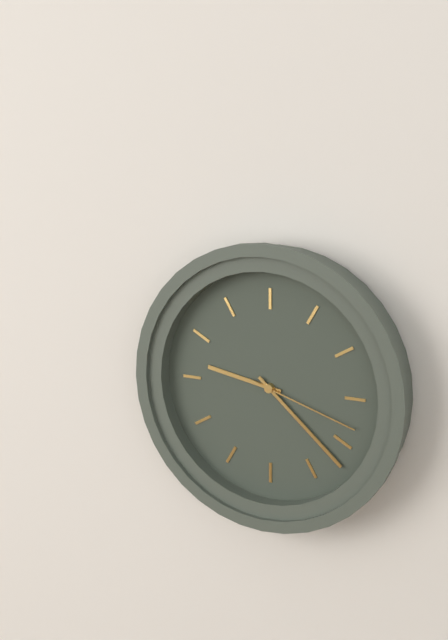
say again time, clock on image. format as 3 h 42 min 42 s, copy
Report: 9 h 22 min 18 s
